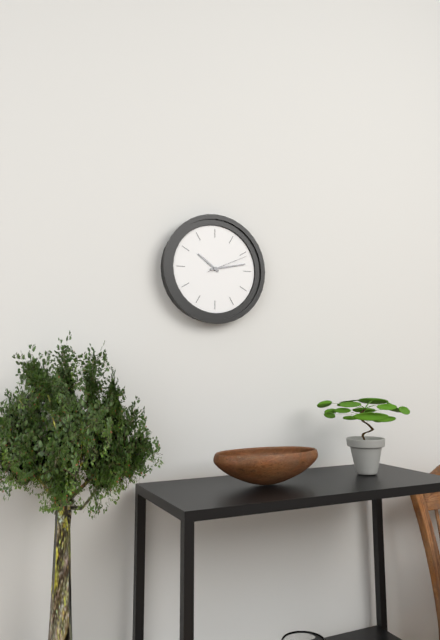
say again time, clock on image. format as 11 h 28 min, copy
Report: 10 h 13 min
